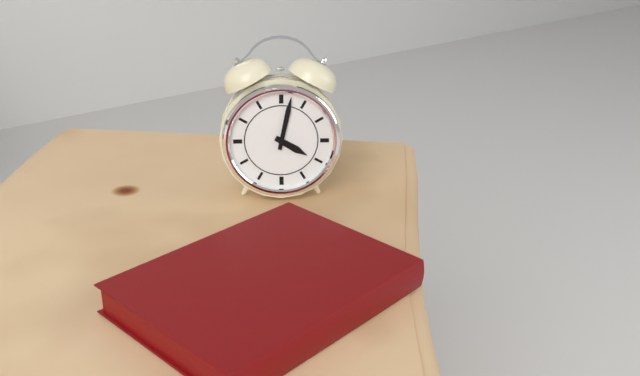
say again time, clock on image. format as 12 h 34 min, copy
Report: 4 h 02 min
